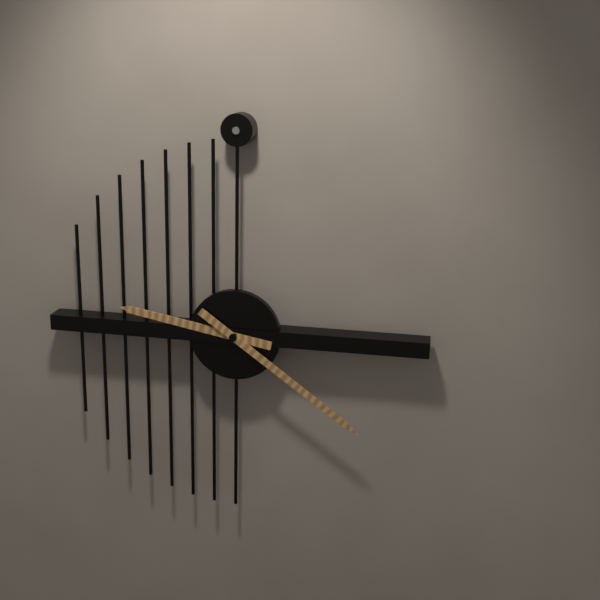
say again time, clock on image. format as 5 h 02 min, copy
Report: 9 h 21 min
